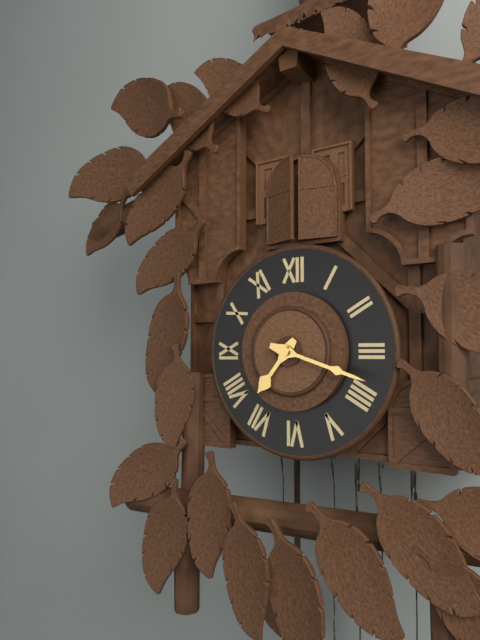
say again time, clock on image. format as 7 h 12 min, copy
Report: 7 h 18 min
